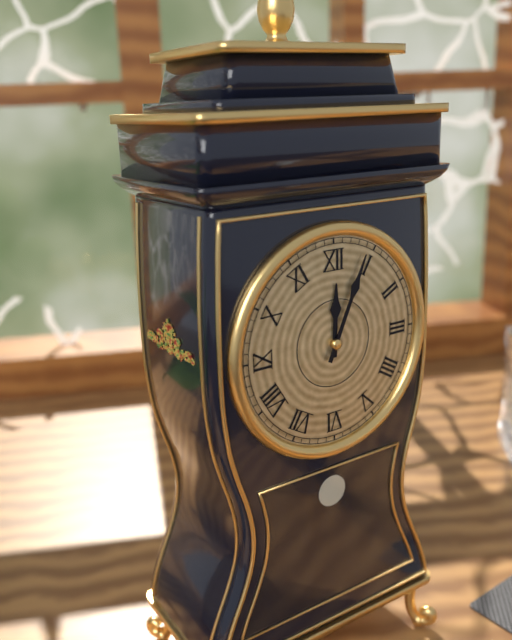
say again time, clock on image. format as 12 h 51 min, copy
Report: 12 h 04 min
